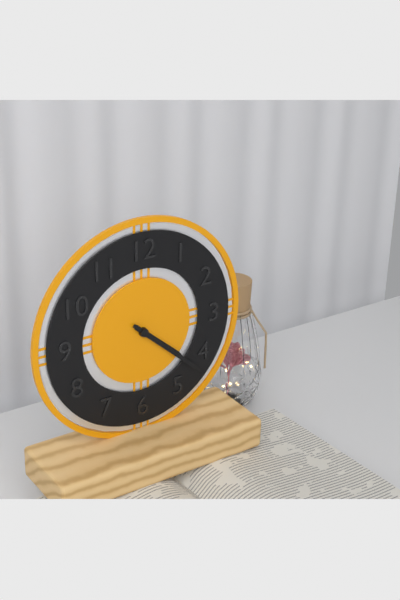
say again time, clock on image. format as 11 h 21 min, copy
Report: 4 h 22 min
